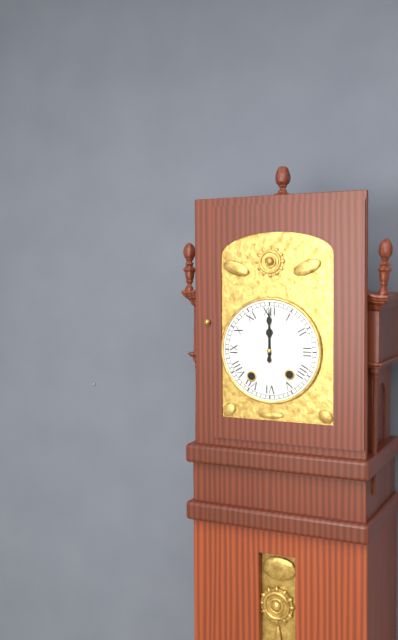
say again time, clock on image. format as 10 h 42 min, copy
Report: 12 h 00 min
